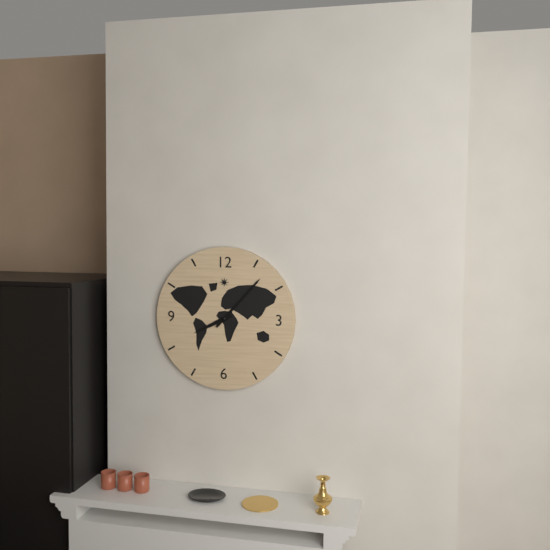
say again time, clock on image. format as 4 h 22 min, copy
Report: 8 h 07 min
